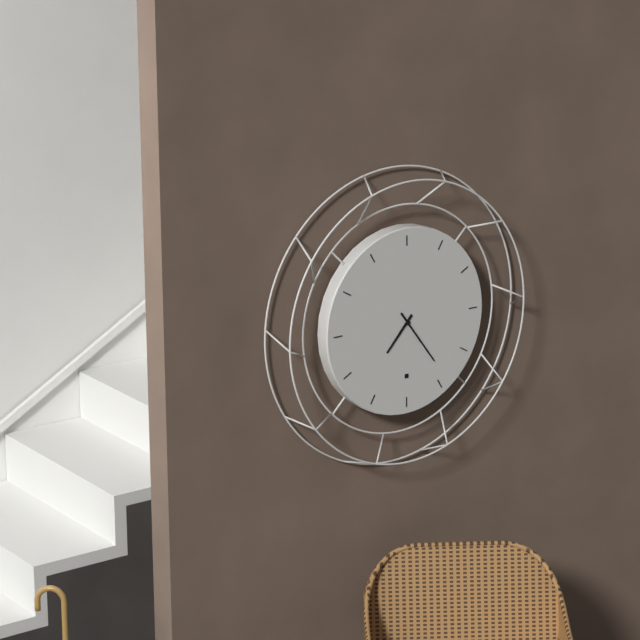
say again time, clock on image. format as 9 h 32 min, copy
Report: 7 h 24 min
